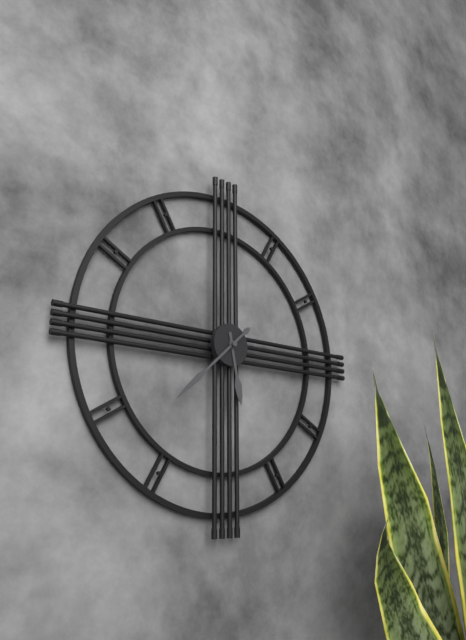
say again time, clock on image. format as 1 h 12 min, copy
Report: 5 h 38 min
